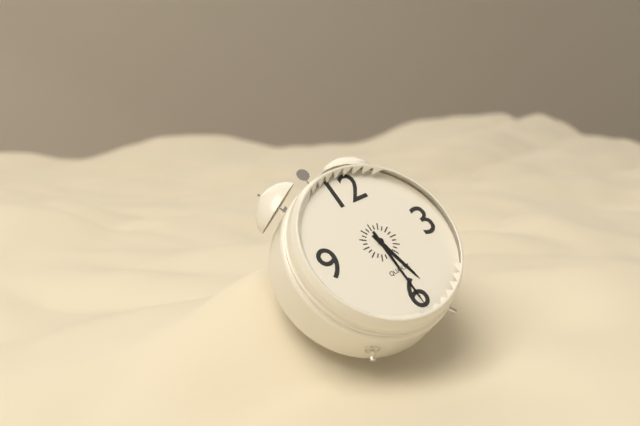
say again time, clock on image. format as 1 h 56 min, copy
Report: 5 h 30 min
